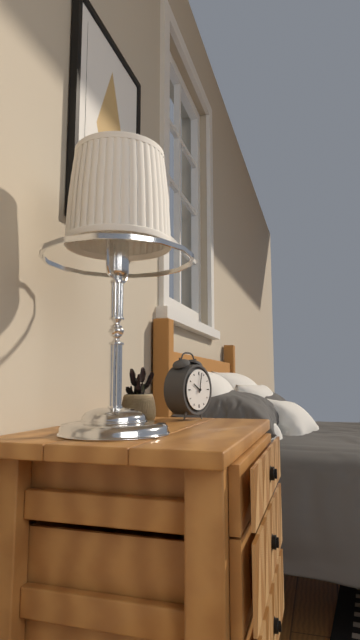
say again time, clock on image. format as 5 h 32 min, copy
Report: 10 h 02 min
